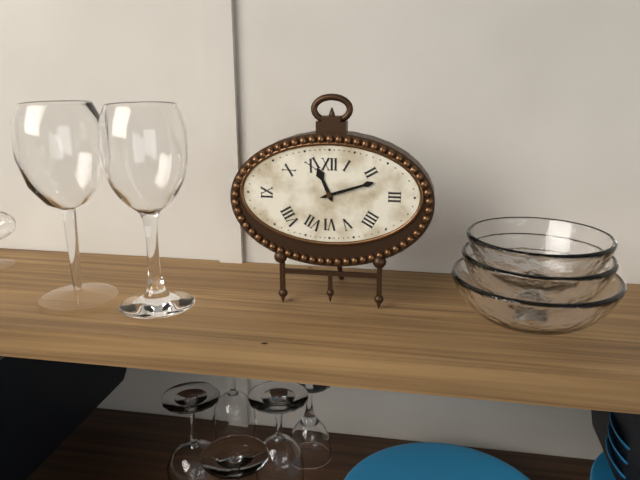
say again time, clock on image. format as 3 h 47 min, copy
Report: 11 h 12 min
